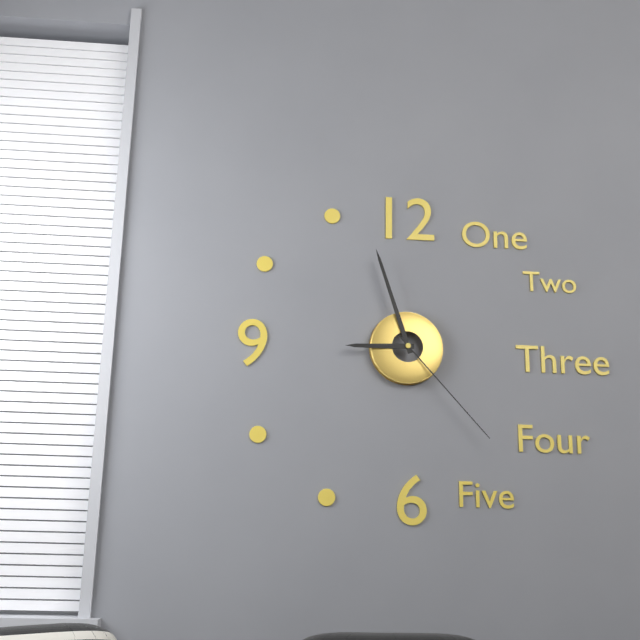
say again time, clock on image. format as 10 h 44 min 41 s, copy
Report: 8 h 57 min 23 s
